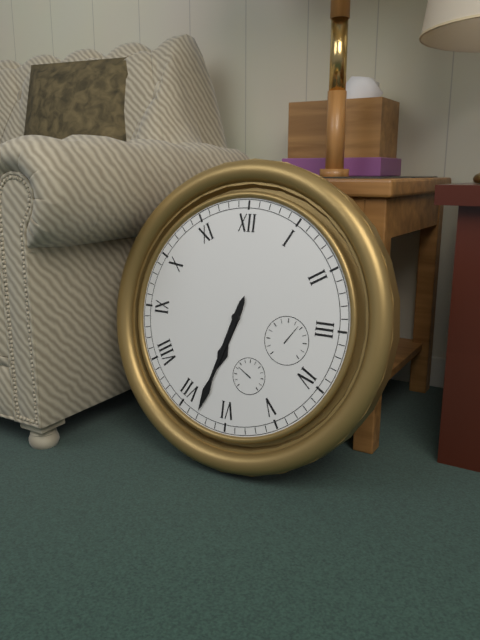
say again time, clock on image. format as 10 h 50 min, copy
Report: 6 h 33 min
